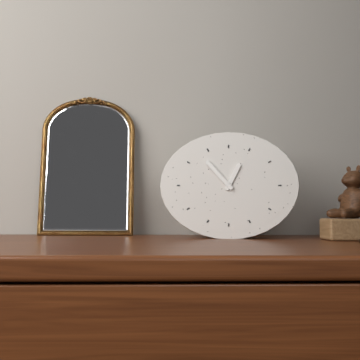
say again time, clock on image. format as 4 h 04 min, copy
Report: 12 h 53 min
